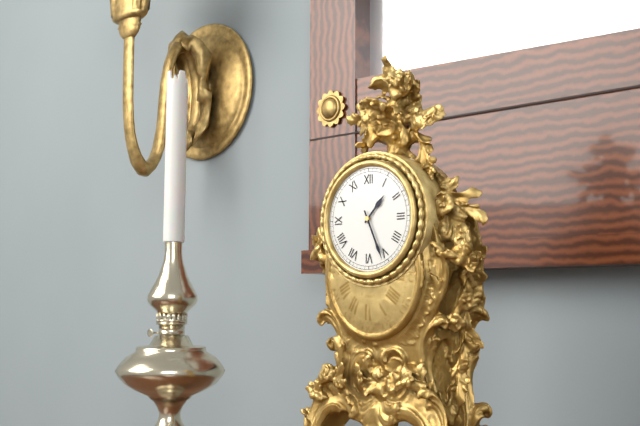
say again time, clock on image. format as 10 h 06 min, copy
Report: 1 h 26 min
